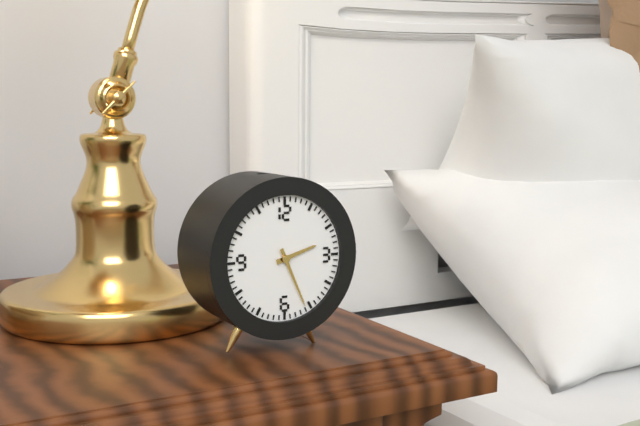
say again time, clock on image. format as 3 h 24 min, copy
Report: 2 h 26 min
